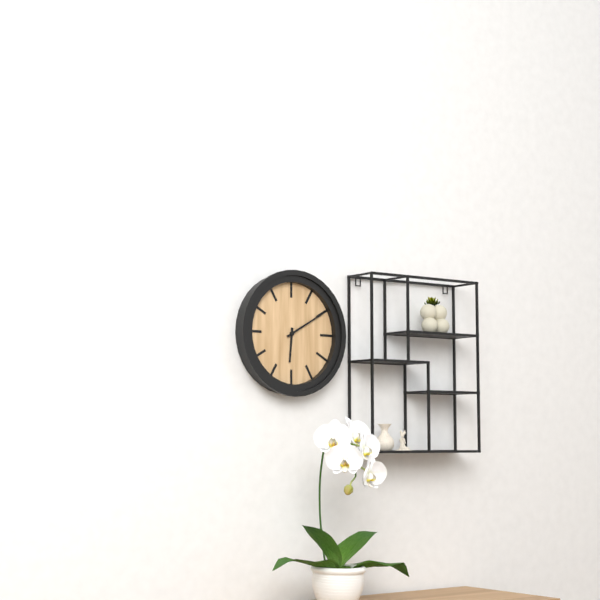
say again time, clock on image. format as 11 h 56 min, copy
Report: 6 h 10 min
